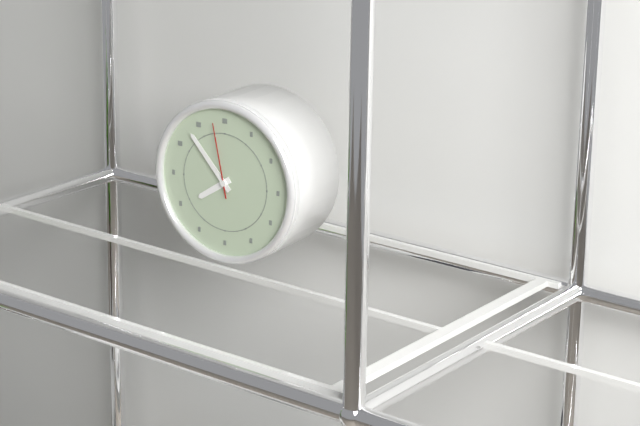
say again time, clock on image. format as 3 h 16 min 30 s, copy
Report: 7 h 53 min 58 s
